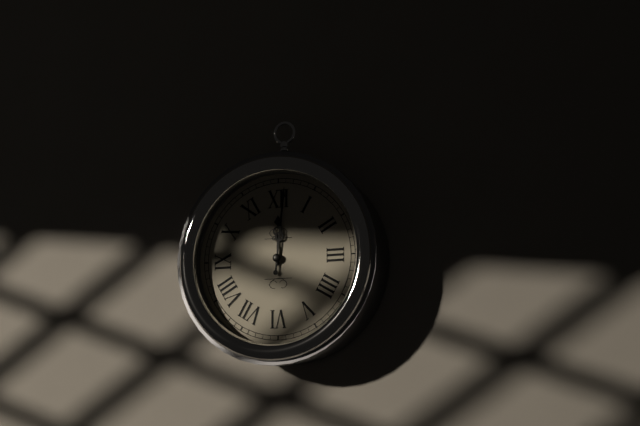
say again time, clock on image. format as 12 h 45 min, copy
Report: 12 h 01 min
